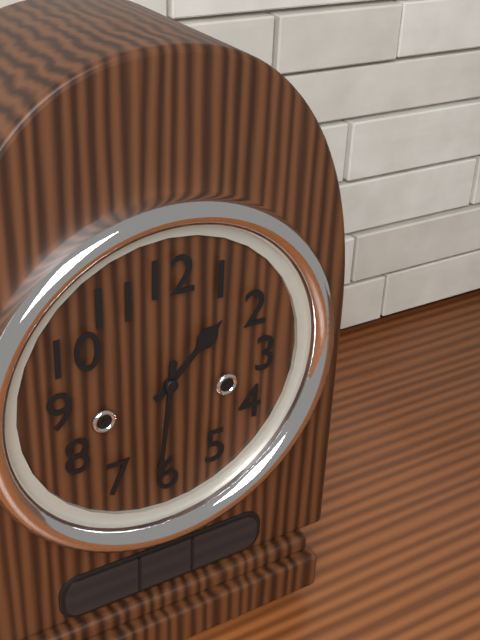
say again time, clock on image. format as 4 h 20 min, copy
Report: 1 h 31 min
